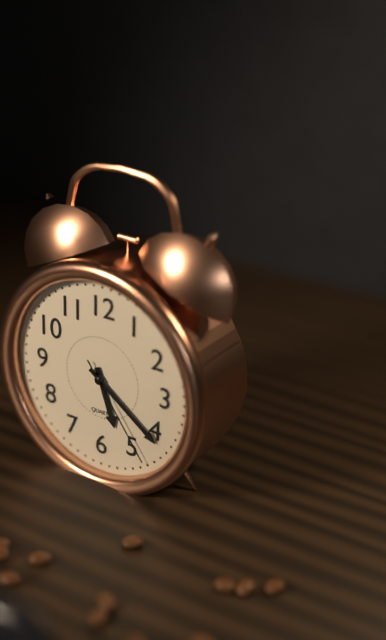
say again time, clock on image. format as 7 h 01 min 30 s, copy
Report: 5 h 21 min 24 s
